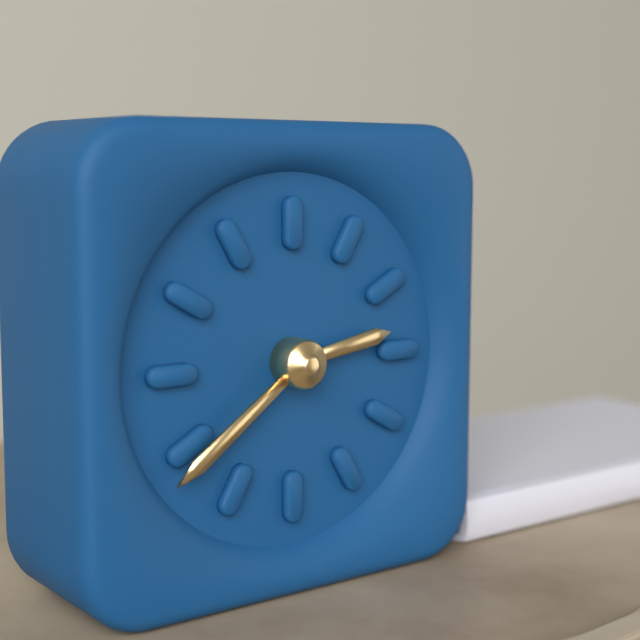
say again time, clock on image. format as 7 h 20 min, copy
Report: 2 h 39 min
